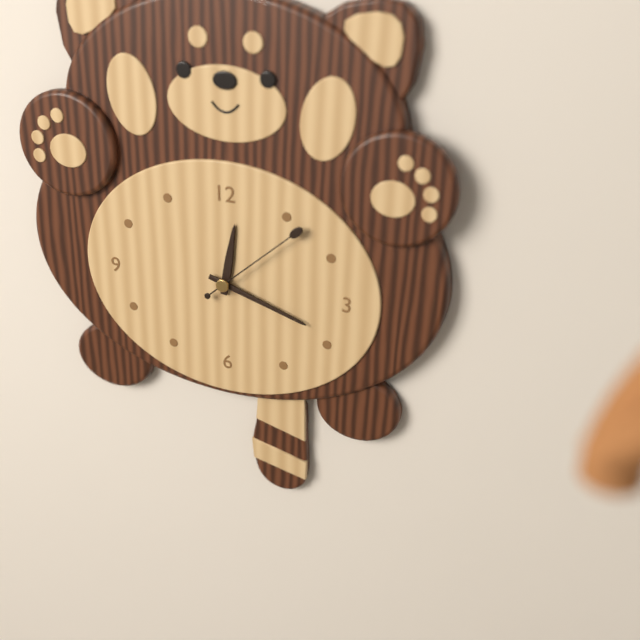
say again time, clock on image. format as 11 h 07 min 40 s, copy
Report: 12 h 18 min 08 s
